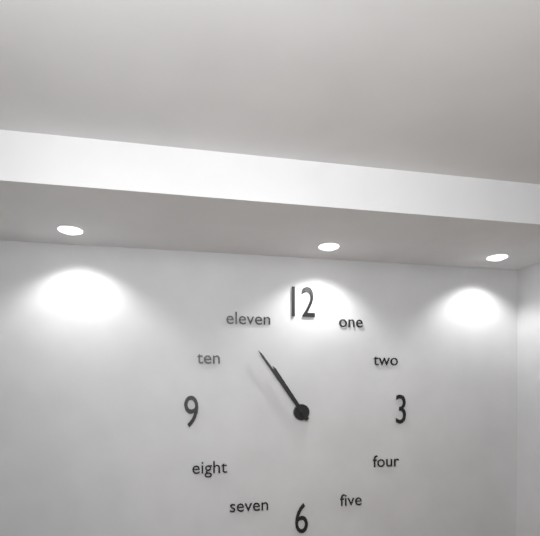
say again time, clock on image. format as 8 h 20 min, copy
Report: 10 h 54 min
